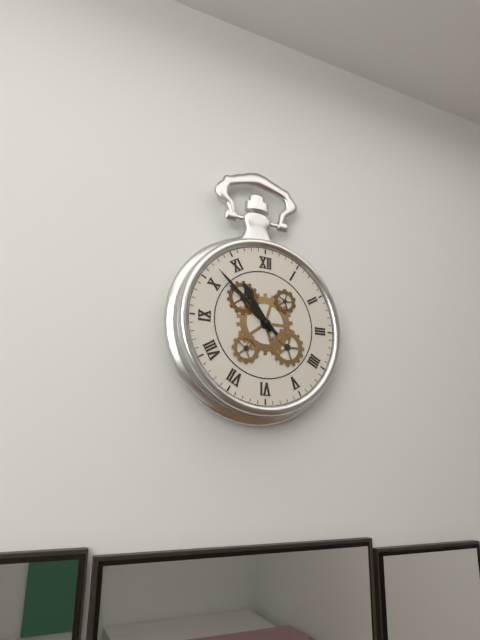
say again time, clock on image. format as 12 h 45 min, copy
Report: 10 h 52 min
